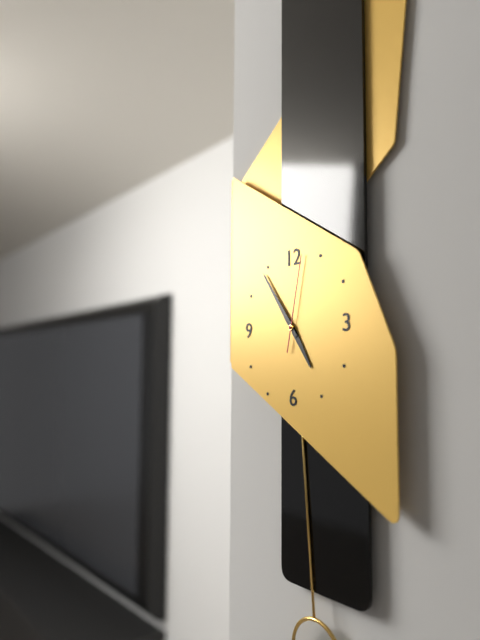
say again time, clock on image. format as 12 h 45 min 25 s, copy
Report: 4 h 54 min 02 s
